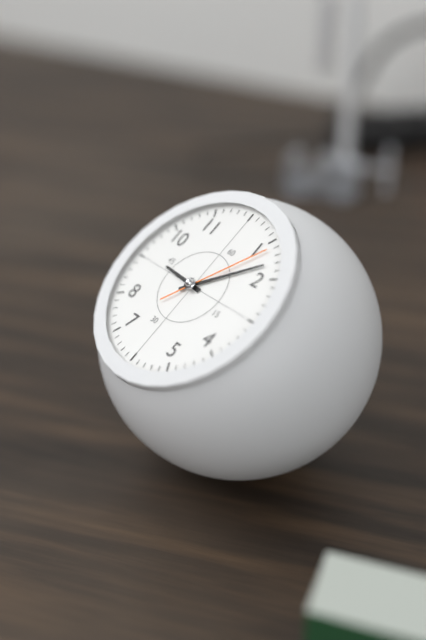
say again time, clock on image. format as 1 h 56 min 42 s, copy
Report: 9 h 08 min 06 s
